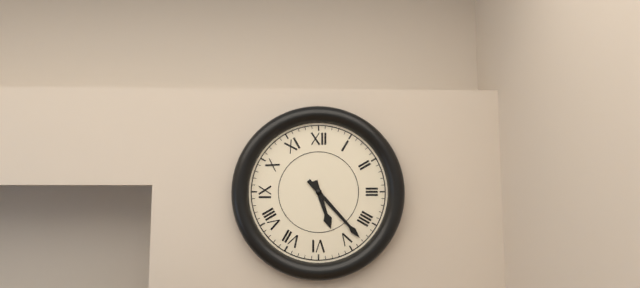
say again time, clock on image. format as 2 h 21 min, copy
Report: 5 h 23 min
